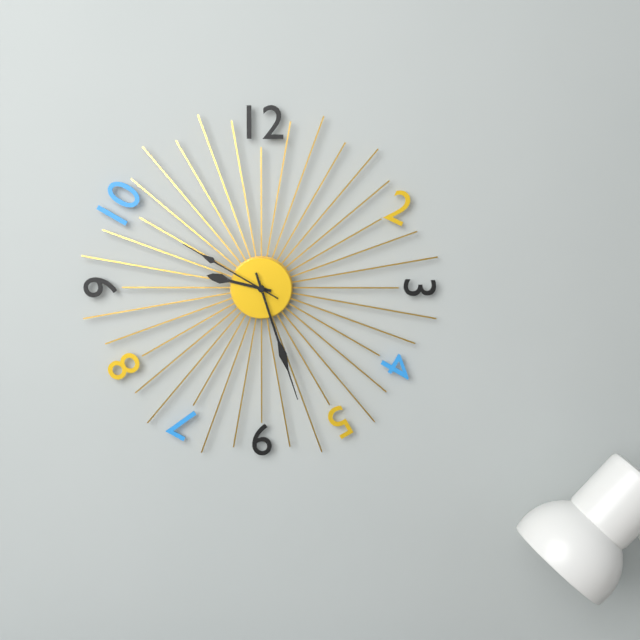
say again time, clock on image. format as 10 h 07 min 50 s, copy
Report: 9 h 27 min 50 s
